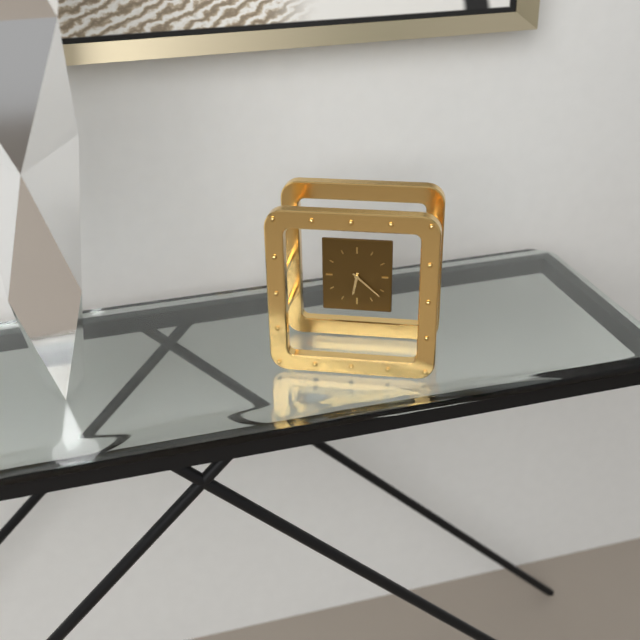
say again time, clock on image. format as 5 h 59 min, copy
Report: 6 h 22 min
